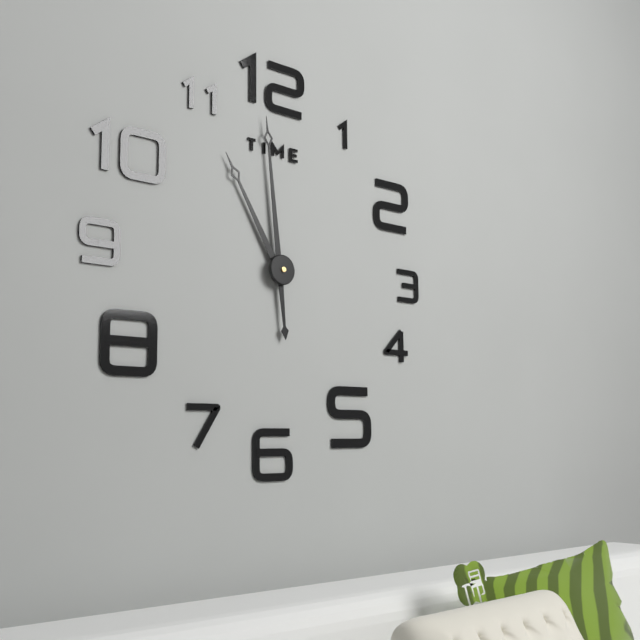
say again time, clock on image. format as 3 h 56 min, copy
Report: 10 h 59 min
